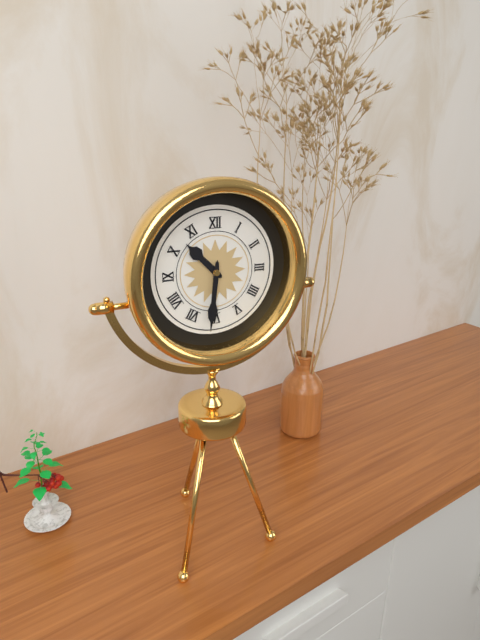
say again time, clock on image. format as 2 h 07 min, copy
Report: 10 h 31 min
